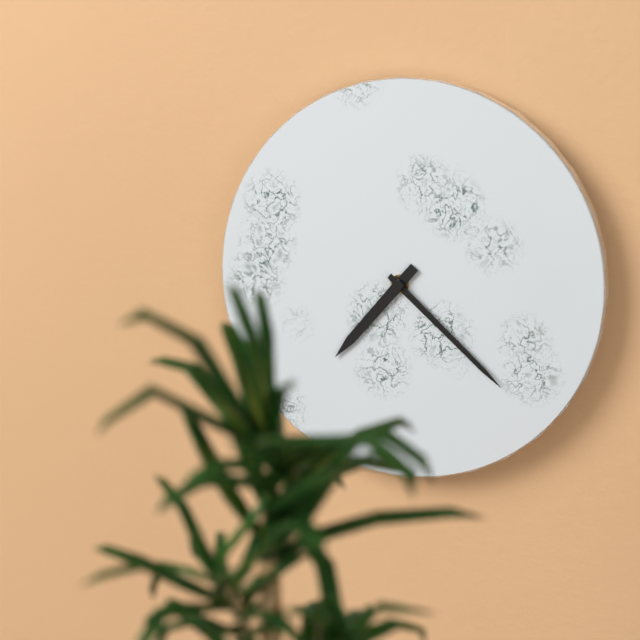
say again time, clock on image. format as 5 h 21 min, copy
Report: 7 h 22 min
